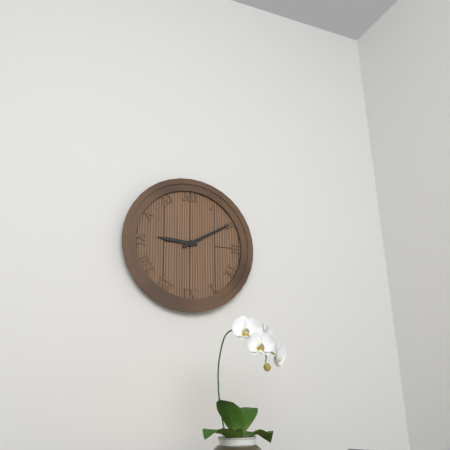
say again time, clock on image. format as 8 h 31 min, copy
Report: 9 h 10 min
